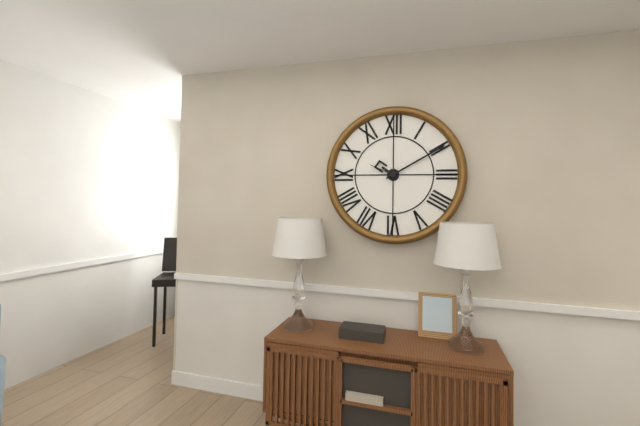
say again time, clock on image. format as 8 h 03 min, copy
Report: 10 h 10 min
